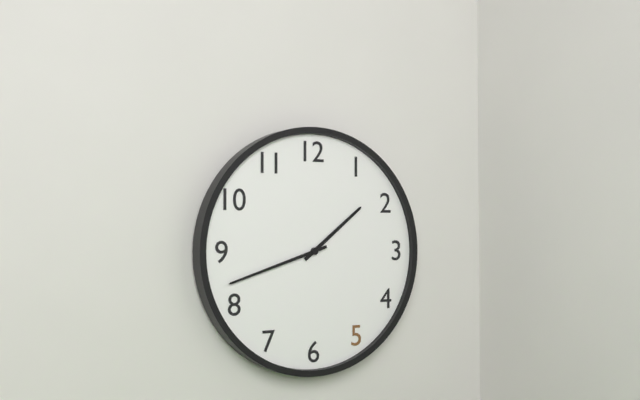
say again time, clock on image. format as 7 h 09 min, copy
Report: 1 h 42 min
